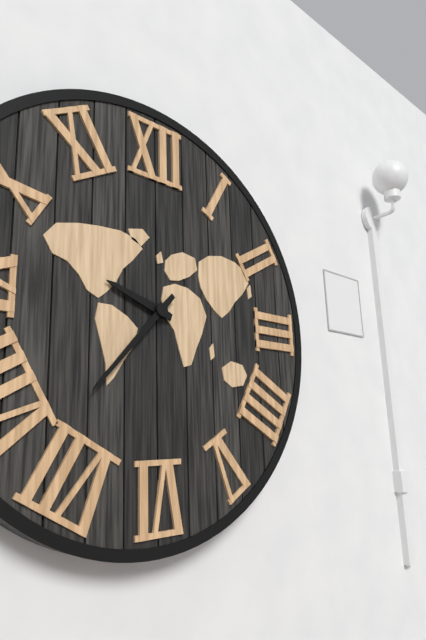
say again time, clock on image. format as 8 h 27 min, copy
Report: 9 h 37 min
